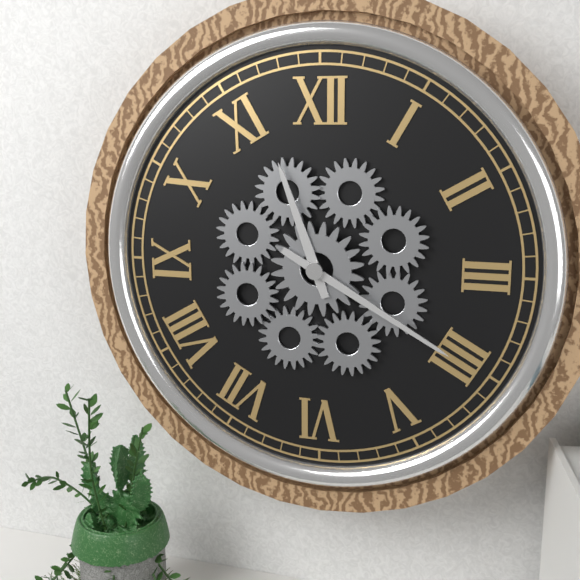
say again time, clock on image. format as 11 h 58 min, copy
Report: 11 h 20 min
